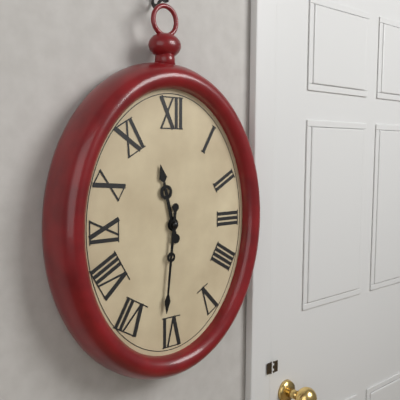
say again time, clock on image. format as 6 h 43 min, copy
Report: 11 h 31 min
